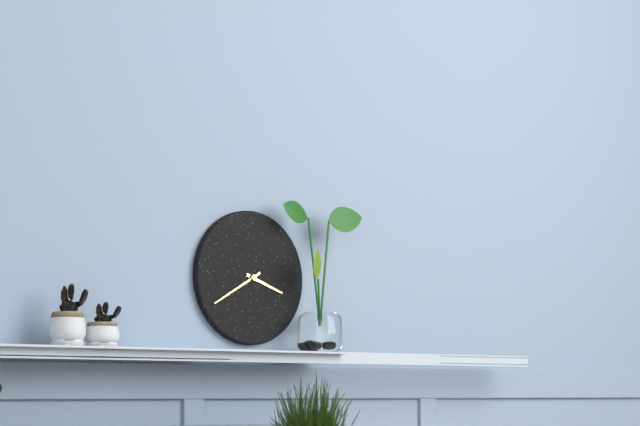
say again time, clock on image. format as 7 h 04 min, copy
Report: 3 h 40 min
